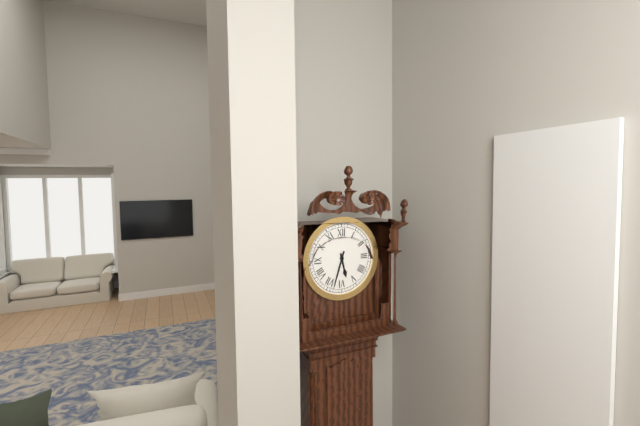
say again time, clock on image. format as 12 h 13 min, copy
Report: 5 h 33 min
